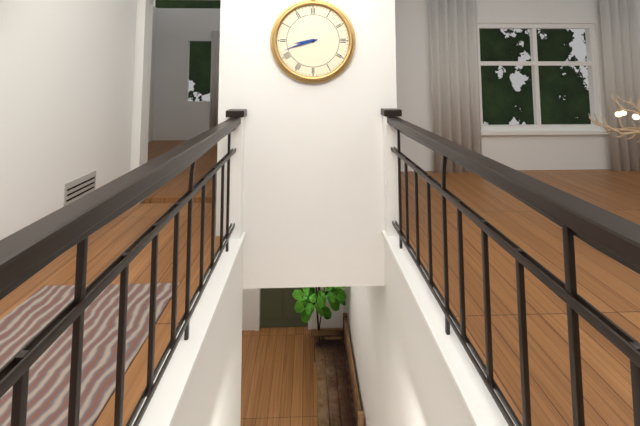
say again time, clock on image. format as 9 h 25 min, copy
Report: 8 h 42 min
